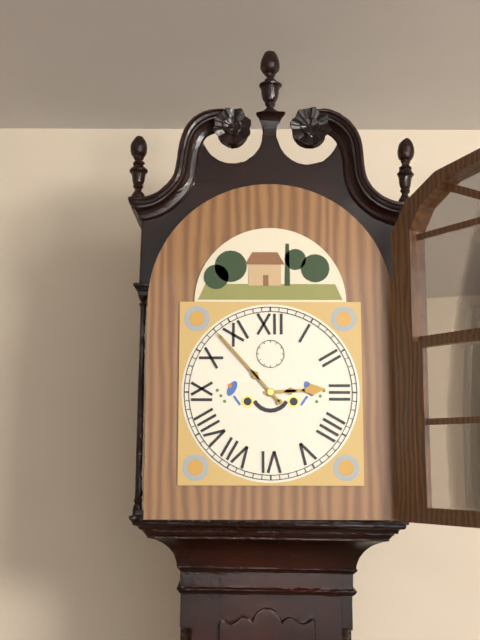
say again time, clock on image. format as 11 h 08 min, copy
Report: 2 h 53 min
